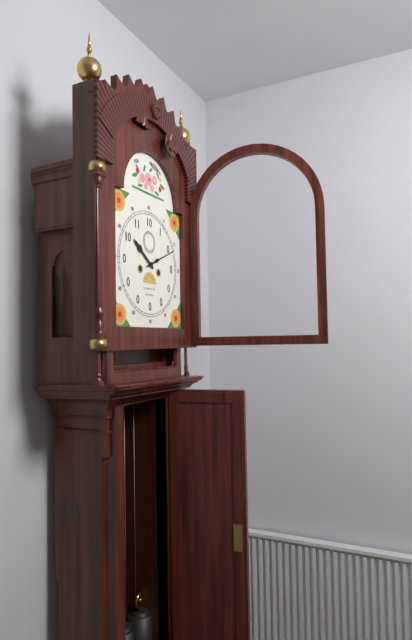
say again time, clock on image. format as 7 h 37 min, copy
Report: 10 h 11 min
